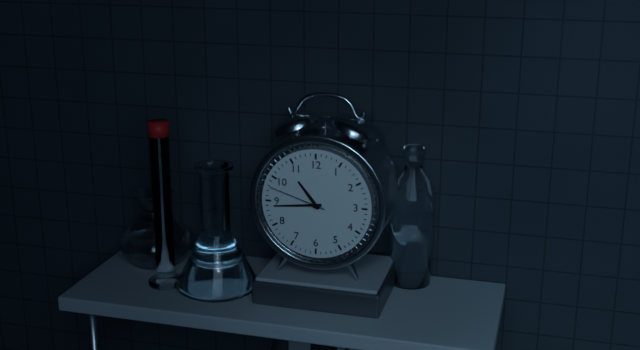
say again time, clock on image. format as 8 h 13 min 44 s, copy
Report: 10 h 44 min 48 s
